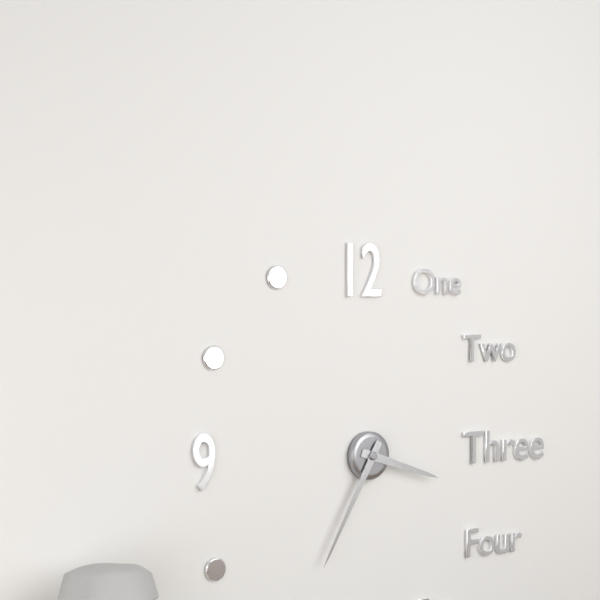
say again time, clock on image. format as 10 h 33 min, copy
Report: 3 h 35 min
